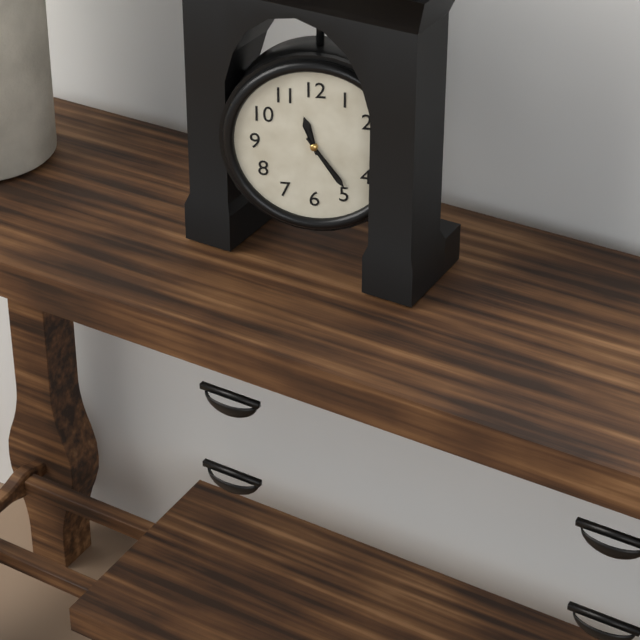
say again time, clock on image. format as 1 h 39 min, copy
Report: 11 h 24 min
